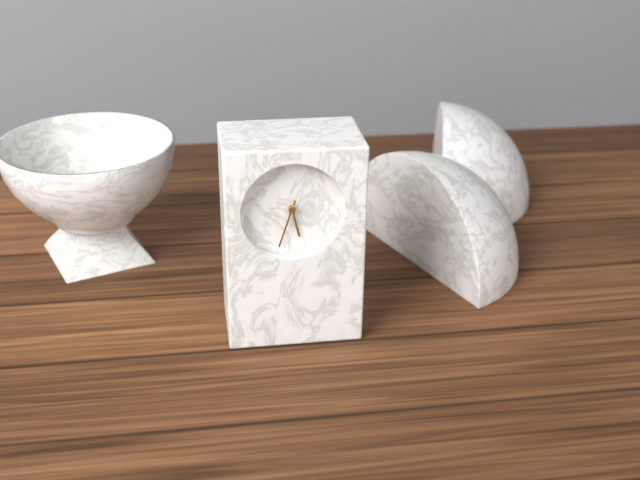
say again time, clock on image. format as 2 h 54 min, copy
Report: 5 h 33 min
